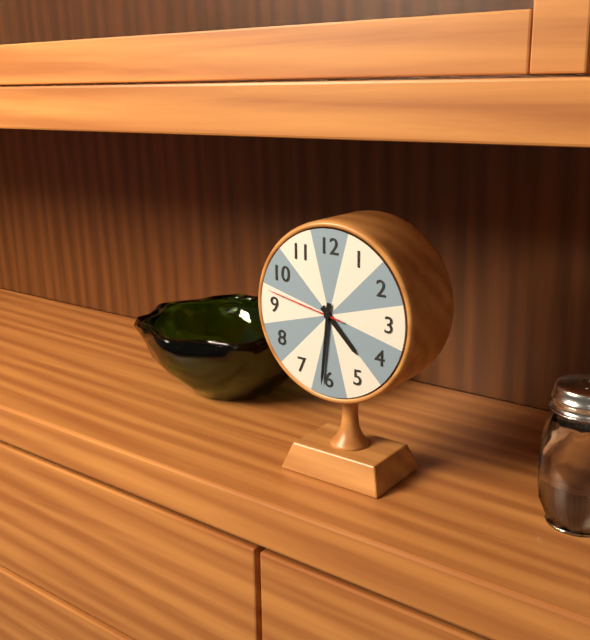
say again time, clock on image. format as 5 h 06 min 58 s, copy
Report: 4 h 31 min 47 s
